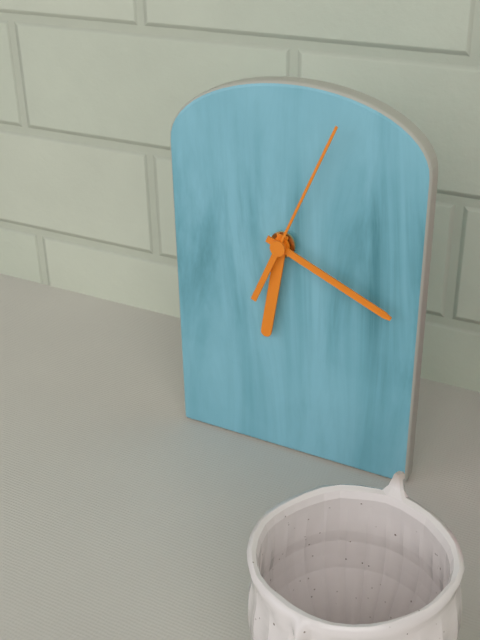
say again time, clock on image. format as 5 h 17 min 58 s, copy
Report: 6 h 19 min 04 s
